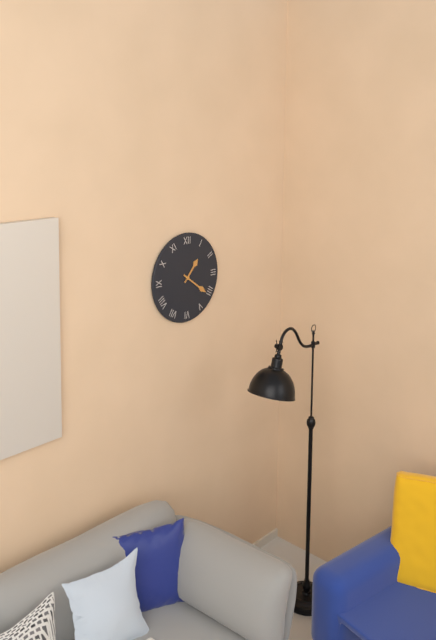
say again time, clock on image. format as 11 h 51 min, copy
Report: 1 h 21 min
